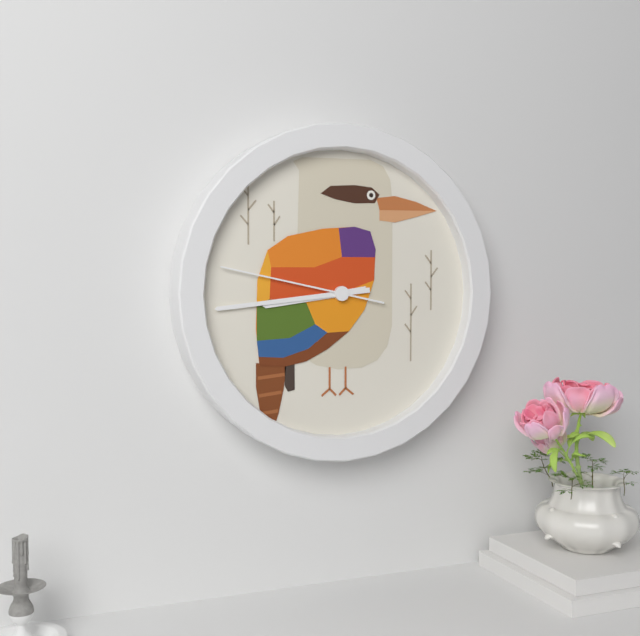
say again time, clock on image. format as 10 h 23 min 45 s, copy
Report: 8 h 44 min 47 s
